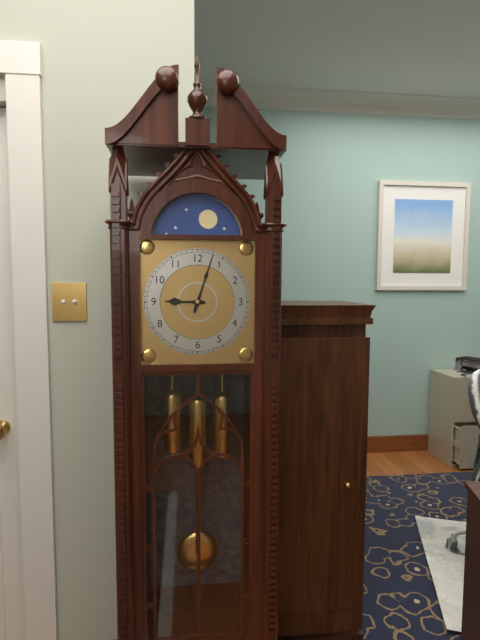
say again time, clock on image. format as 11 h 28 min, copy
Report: 9 h 03 min
